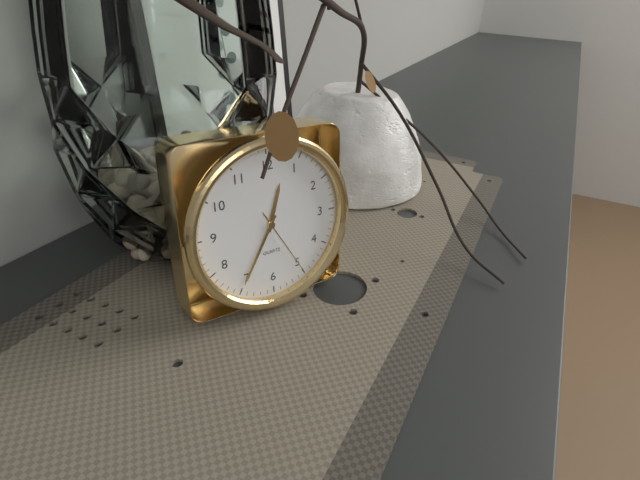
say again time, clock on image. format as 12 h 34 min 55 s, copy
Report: 12 h 35 min 25 s
